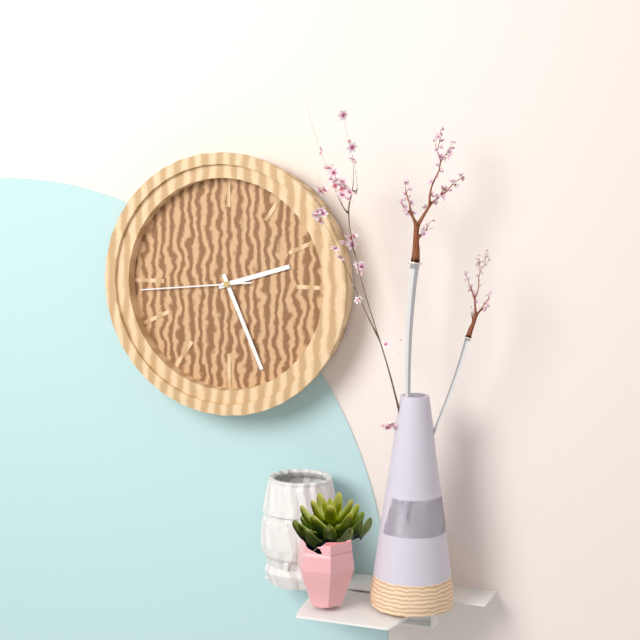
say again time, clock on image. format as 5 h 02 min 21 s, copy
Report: 2 h 26 min 44 s
